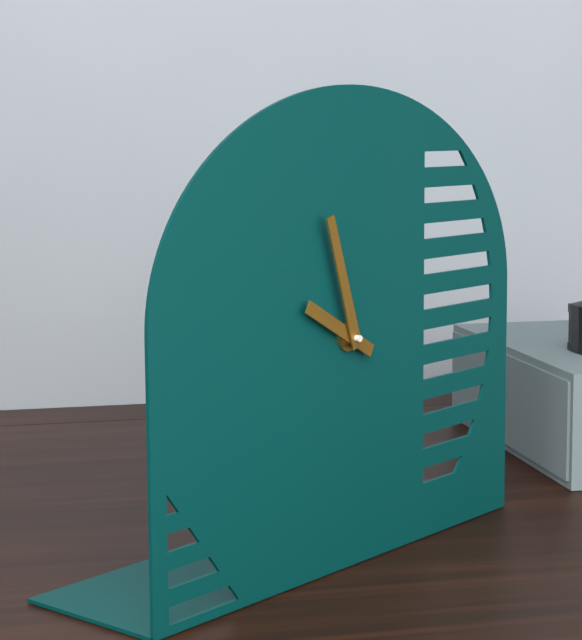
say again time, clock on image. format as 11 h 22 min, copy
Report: 9 h 57 min
